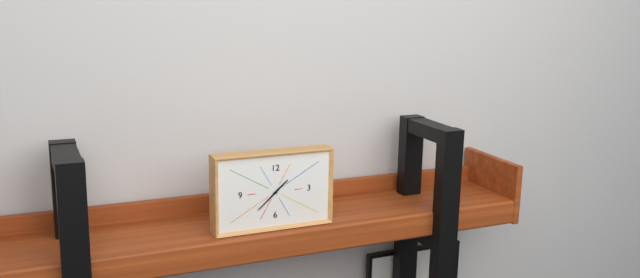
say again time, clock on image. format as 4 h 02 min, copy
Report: 1 h 38 min
